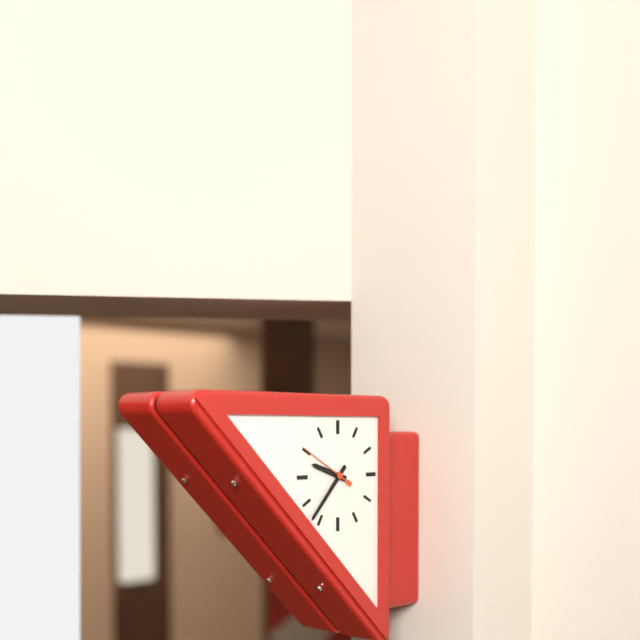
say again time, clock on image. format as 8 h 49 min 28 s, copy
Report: 9 h 37 min 50 s
